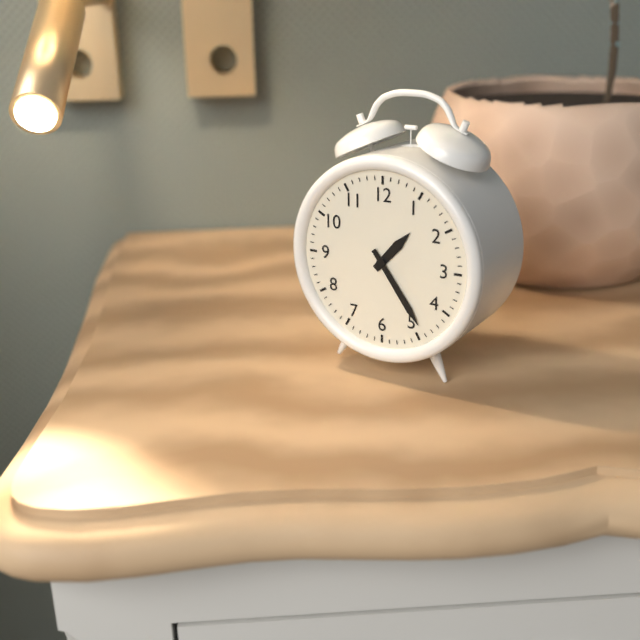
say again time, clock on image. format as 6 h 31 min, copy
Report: 1 h 24 min
